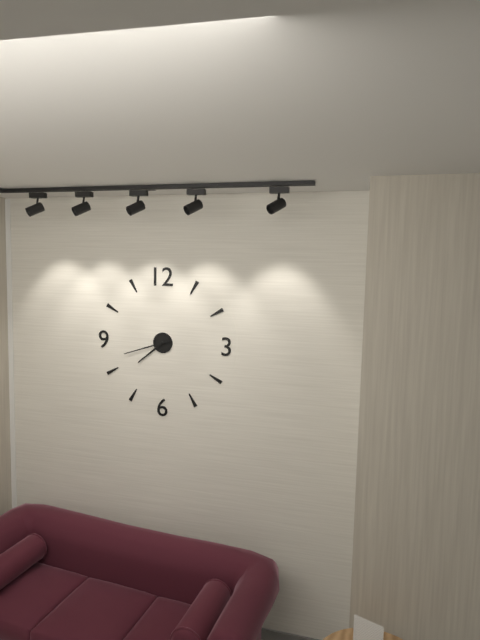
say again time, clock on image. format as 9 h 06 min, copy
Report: 7 h 42 min
